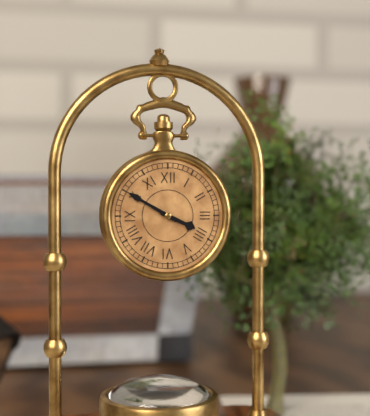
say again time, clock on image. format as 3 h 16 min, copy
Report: 3 h 50 min
